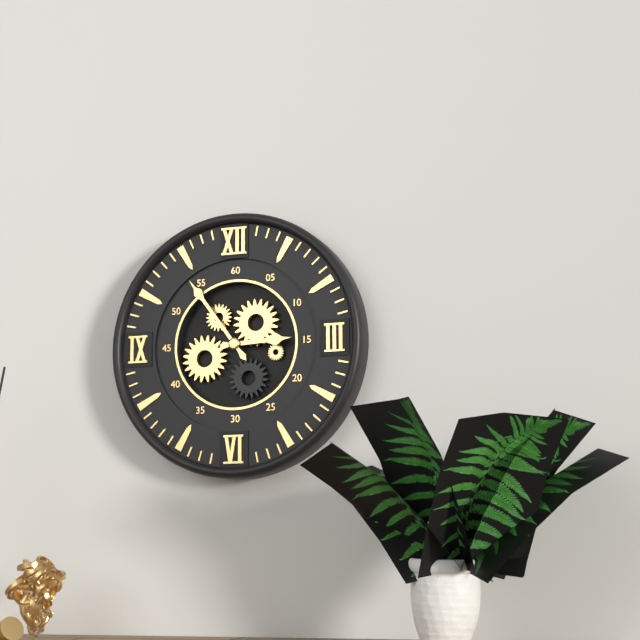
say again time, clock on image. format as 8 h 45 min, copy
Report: 2 h 54 min
